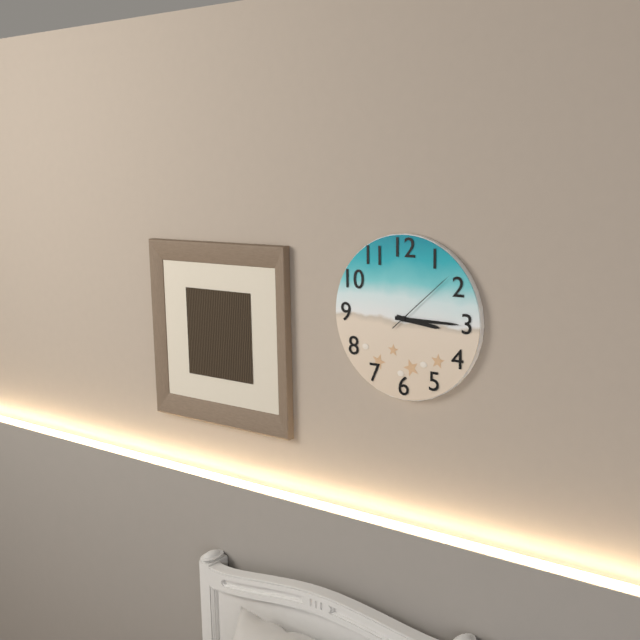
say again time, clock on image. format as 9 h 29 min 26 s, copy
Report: 3 h 15 min 08 s
